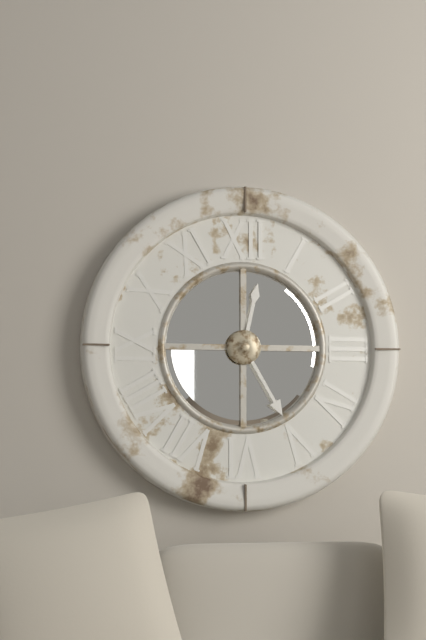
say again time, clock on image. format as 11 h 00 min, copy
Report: 12 h 25 min
